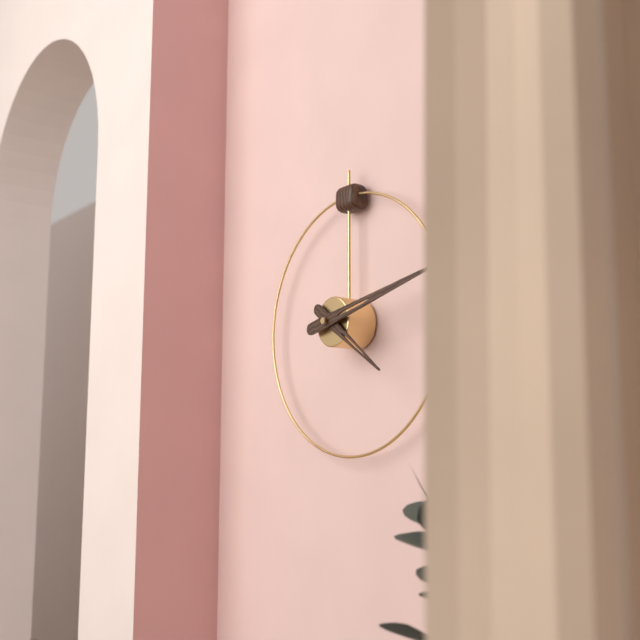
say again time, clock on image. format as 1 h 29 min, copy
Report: 4 h 13 min
